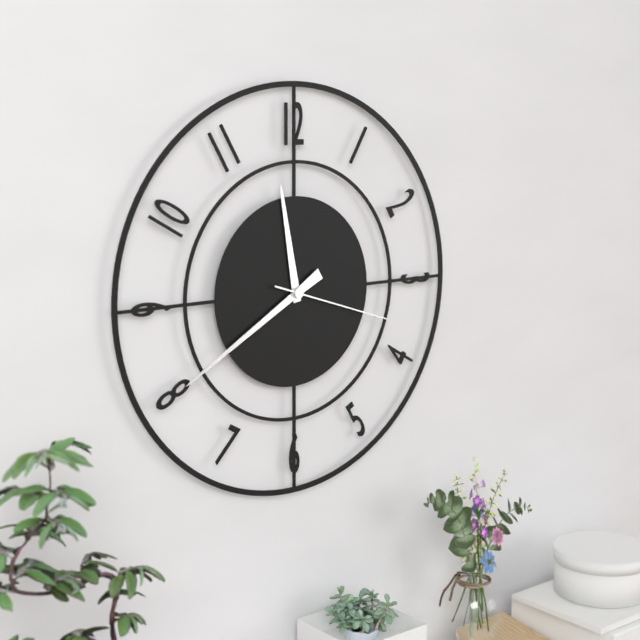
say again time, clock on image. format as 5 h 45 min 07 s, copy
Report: 11 h 40 min 18 s
